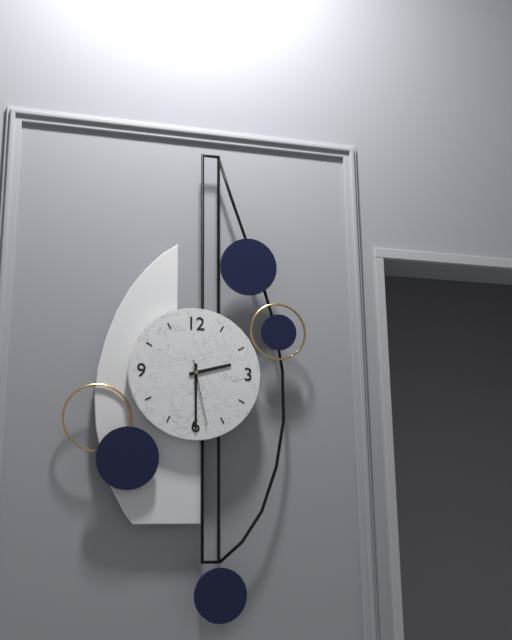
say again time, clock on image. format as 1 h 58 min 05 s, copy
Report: 2 h 30 min 28 s
